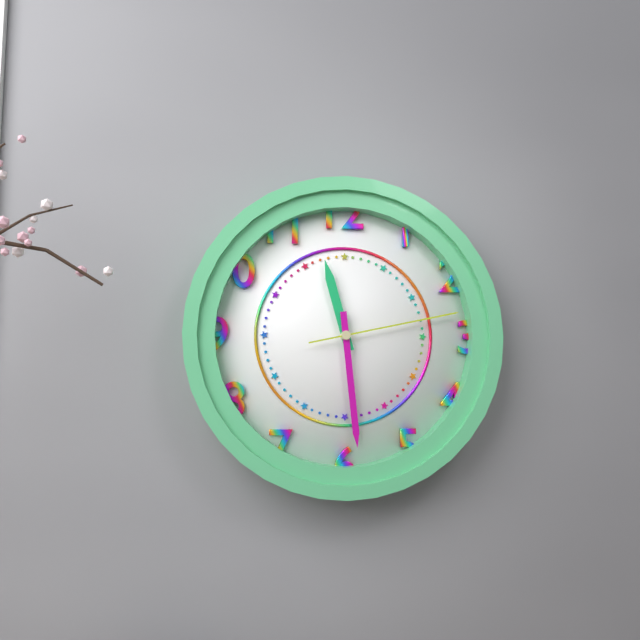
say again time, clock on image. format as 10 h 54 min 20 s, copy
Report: 11 h 29 min 13 s
